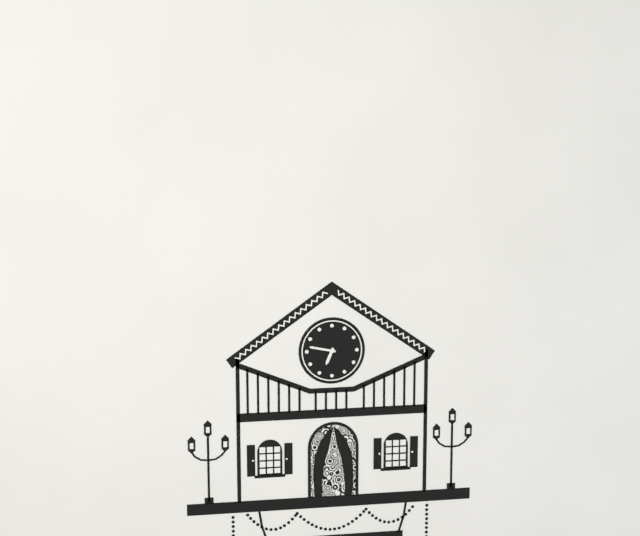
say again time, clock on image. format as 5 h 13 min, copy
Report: 6 h 47 min
